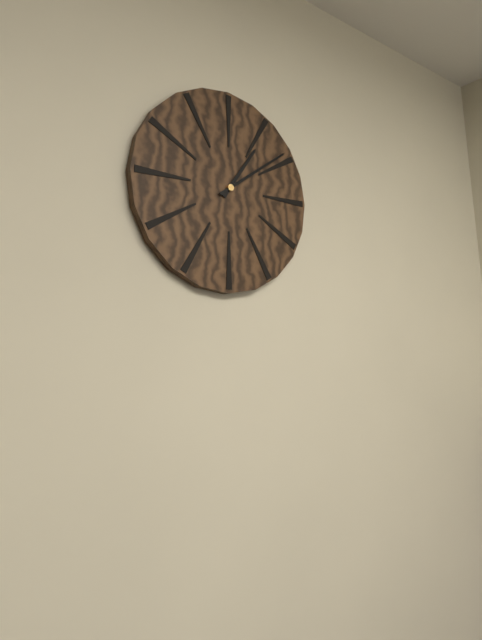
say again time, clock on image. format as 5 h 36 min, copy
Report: 1 h 09 min
